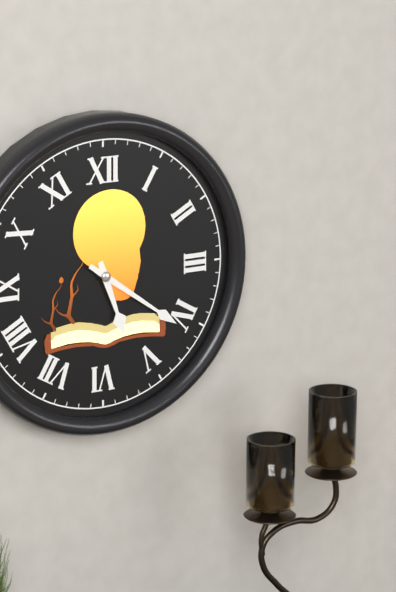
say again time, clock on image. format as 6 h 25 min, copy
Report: 5 h 21 min
